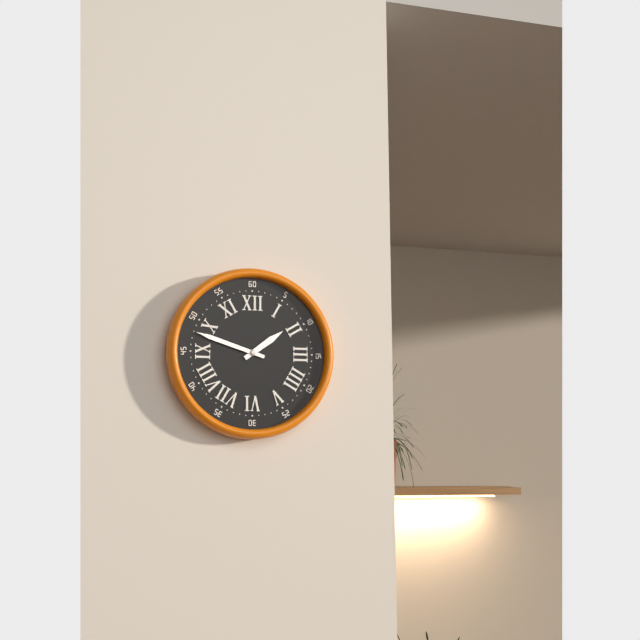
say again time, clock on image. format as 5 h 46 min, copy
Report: 1 h 48 min
